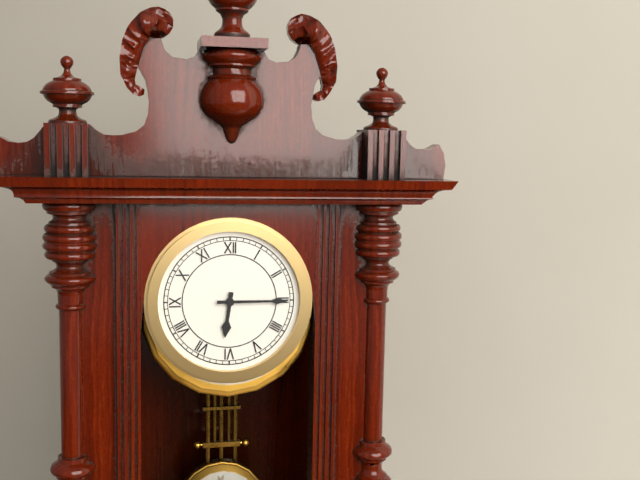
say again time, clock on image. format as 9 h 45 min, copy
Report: 6 h 15 min
